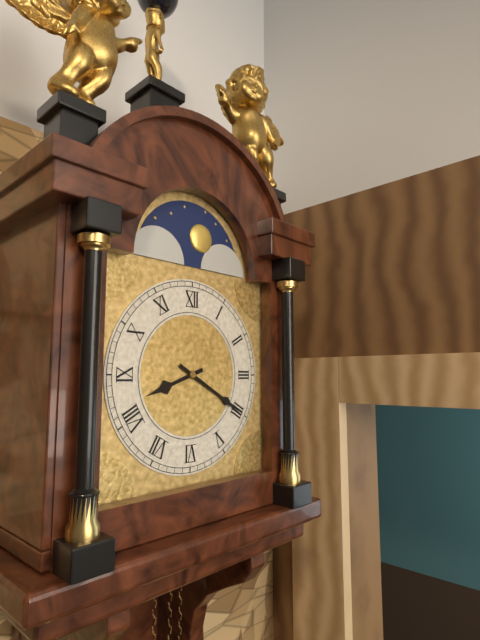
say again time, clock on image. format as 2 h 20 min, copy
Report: 8 h 20 min
